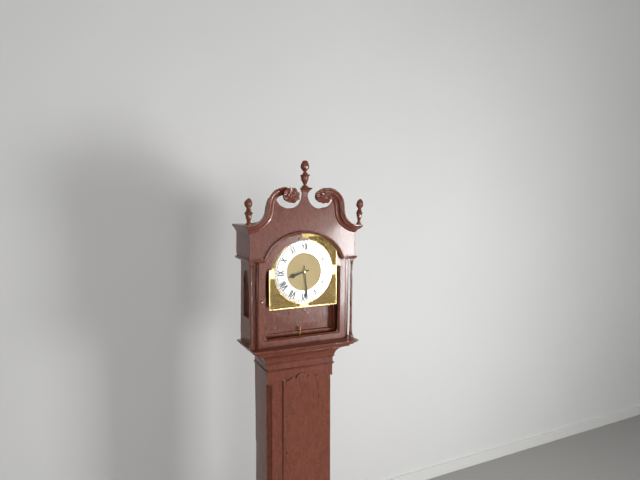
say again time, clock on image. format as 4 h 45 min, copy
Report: 8 h 29 min
